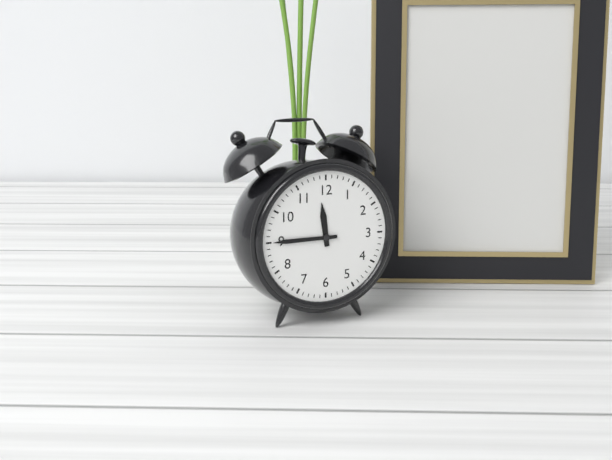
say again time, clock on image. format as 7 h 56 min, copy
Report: 11 h 45 min
